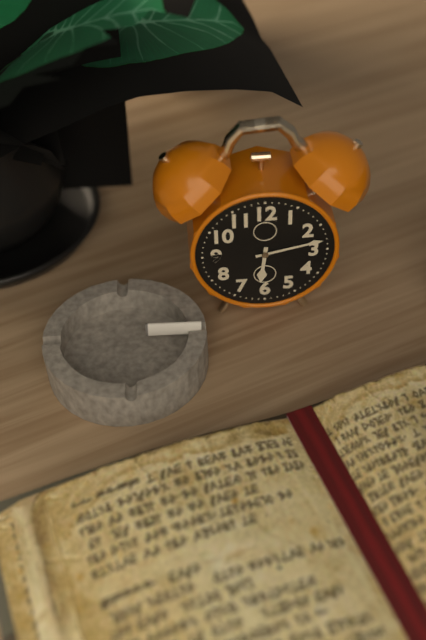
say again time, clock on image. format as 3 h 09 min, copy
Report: 6 h 13 min
